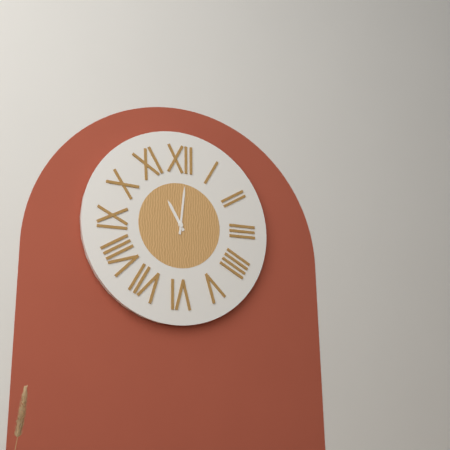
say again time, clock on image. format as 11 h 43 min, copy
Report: 11 h 01 min
